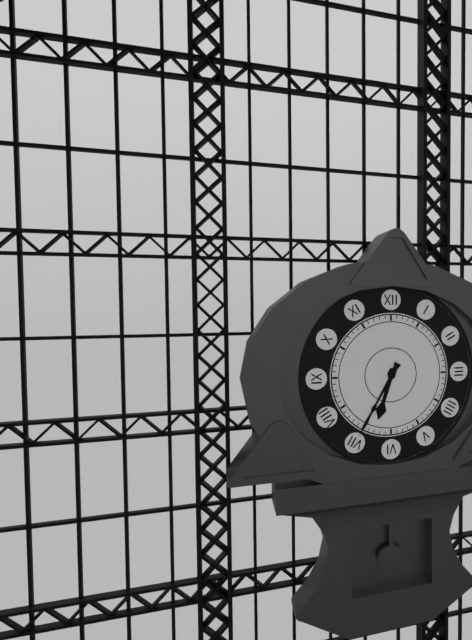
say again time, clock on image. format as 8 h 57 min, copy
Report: 6 h 35 min
